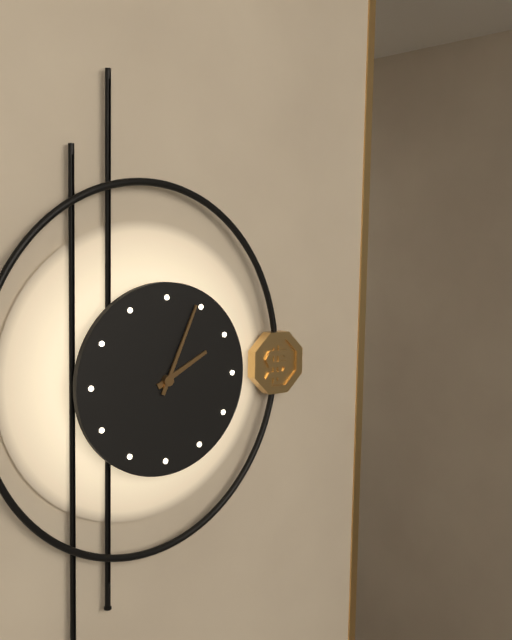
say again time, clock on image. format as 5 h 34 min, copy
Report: 2 h 04 min
